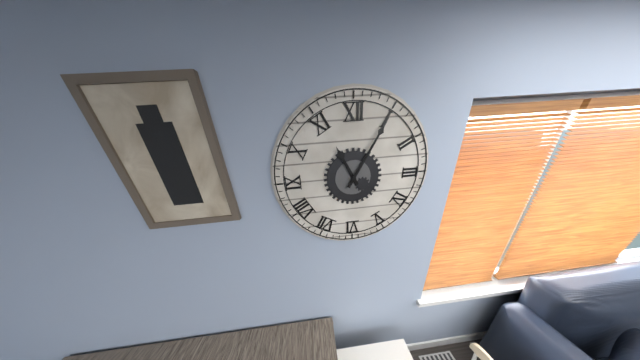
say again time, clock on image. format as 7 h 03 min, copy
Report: 11 h 05 min
